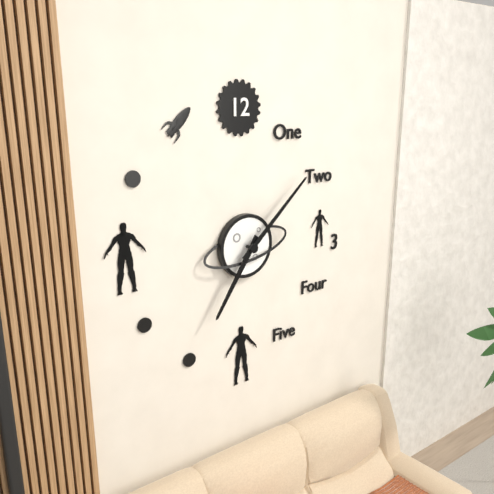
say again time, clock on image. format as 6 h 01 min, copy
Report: 7 h 08 min
